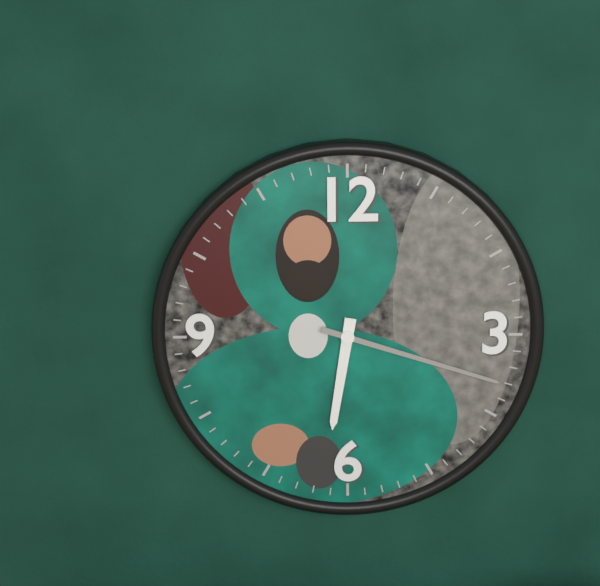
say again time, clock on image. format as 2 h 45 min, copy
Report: 6 h 18 min
